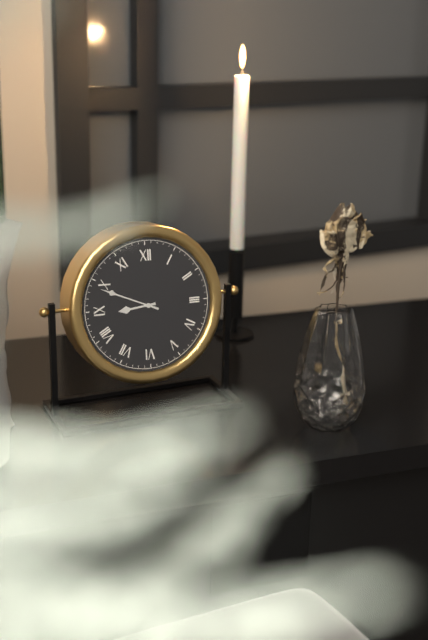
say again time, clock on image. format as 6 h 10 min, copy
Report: 8 h 49 min
